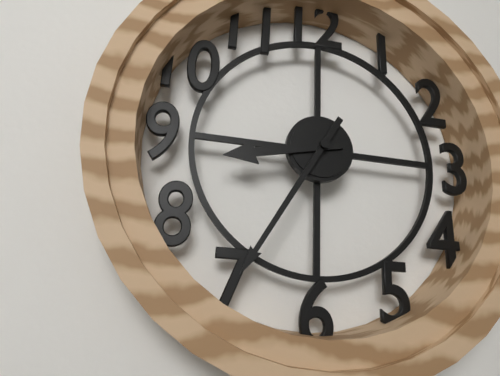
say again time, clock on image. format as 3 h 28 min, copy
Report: 8 h 35 min
